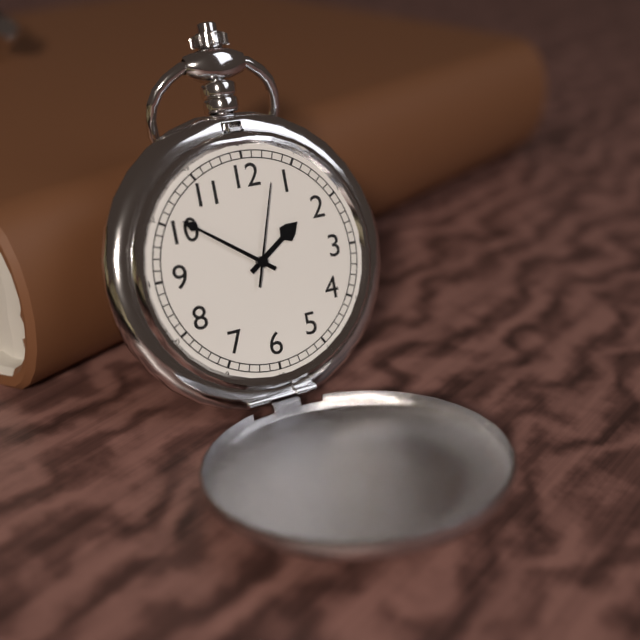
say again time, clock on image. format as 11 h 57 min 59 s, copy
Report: 1 h 51 min 03 s
